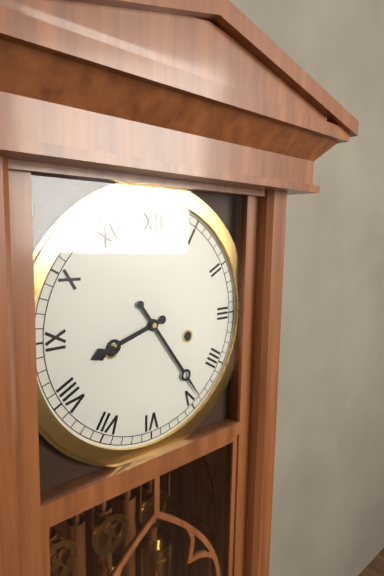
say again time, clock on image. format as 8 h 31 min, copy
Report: 8 h 24 min
